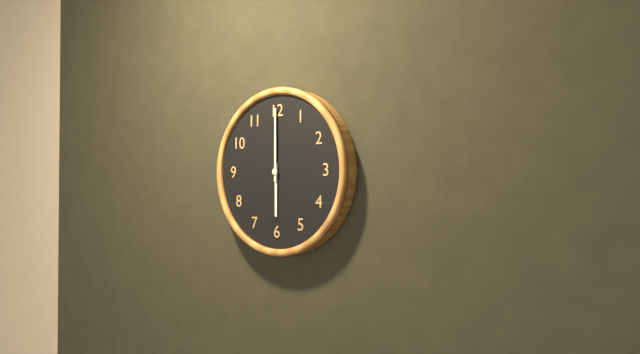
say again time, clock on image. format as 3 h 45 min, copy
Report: 6 h 00 min
